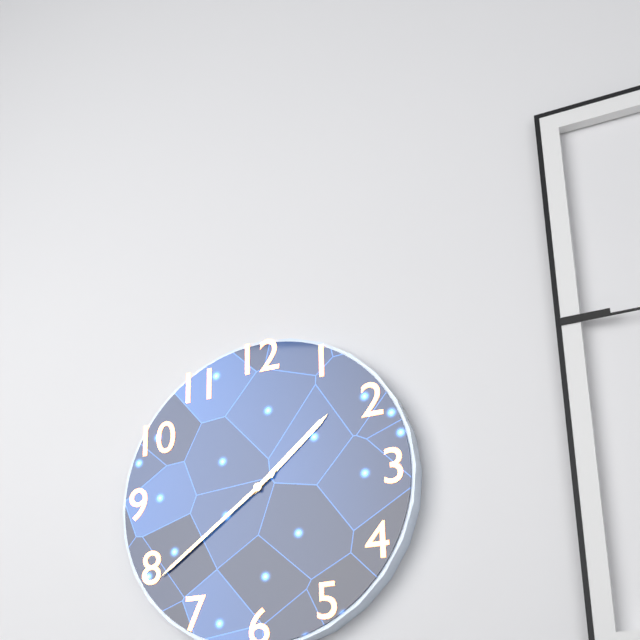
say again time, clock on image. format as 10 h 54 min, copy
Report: 1 h 39 min
